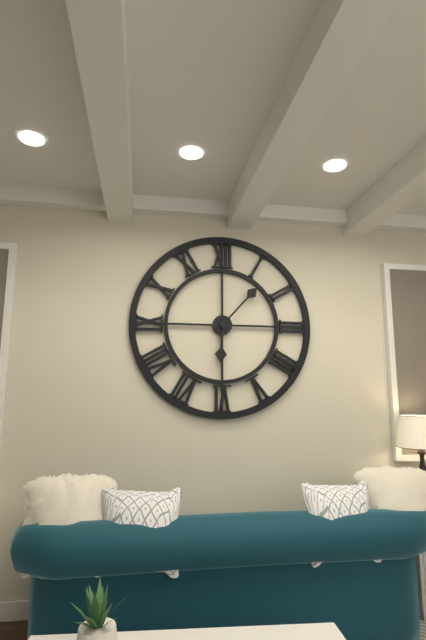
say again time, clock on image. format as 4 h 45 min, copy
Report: 6 h 07 min
